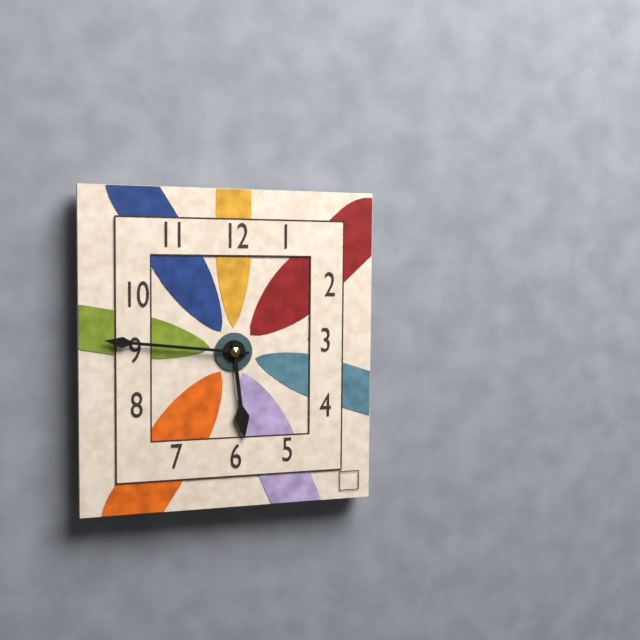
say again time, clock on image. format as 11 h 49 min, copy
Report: 5 h 46 min
